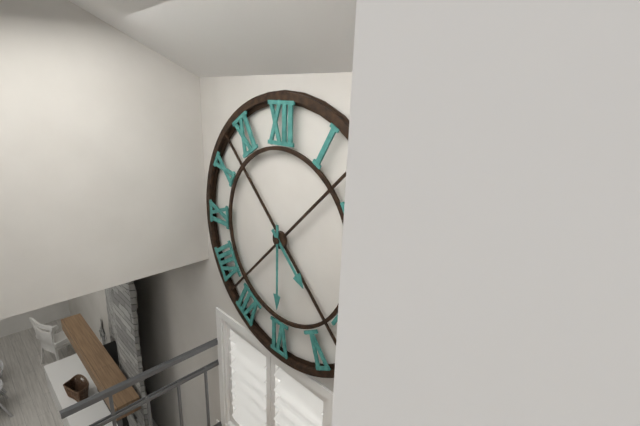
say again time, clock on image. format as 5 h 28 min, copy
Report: 4 h 30 min
